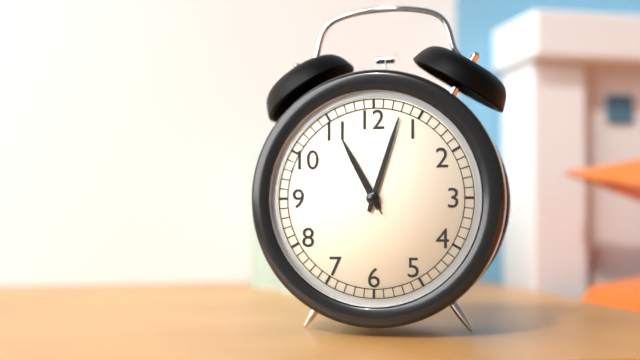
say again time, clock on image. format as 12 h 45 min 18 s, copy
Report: 11 h 03 min 55 s
